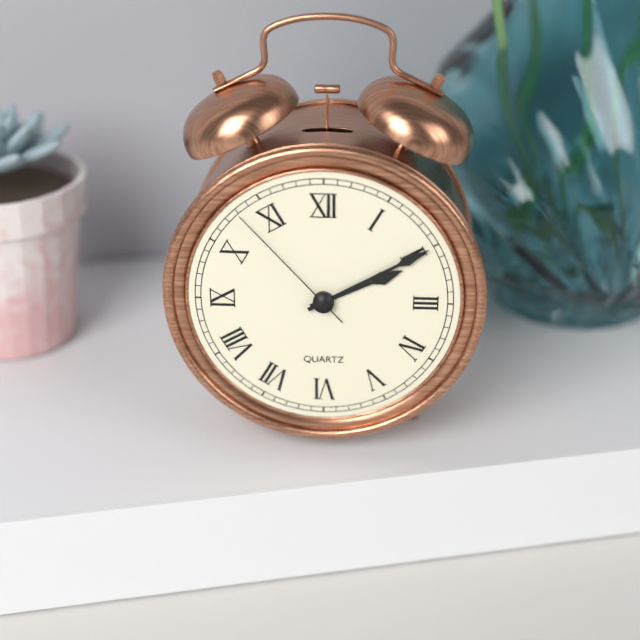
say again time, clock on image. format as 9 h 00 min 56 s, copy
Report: 2 h 10 min 53 s
